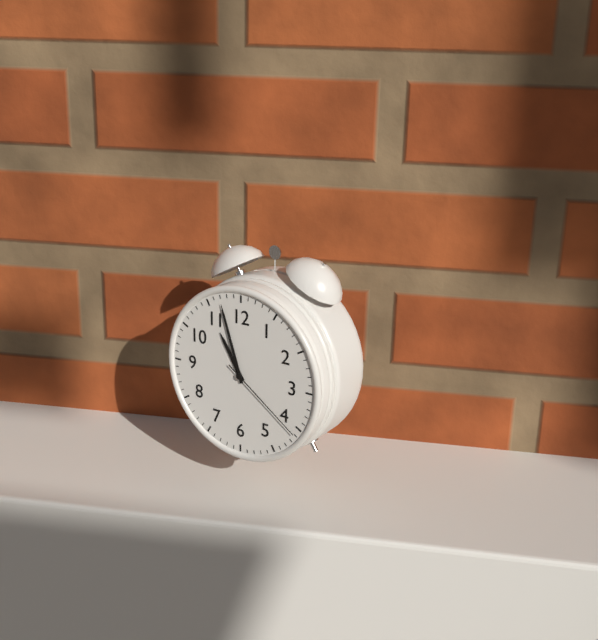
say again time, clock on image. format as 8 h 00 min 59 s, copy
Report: 10 h 57 min 21 s
